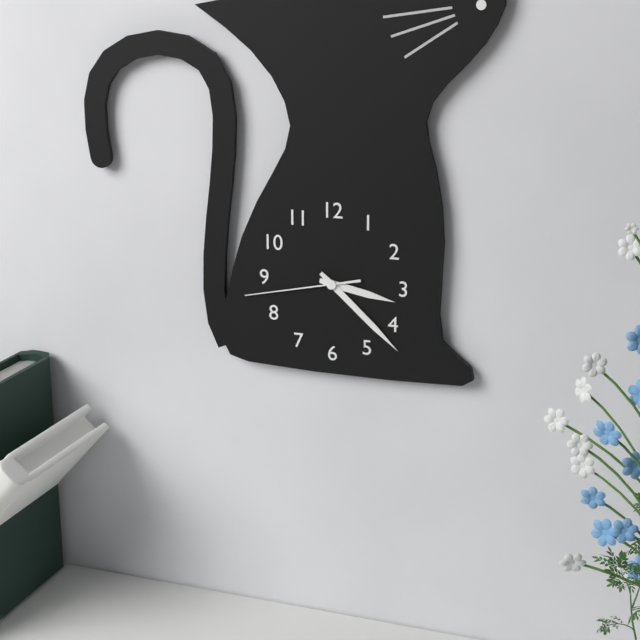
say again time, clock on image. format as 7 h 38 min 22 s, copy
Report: 3 h 22 min 43 s
